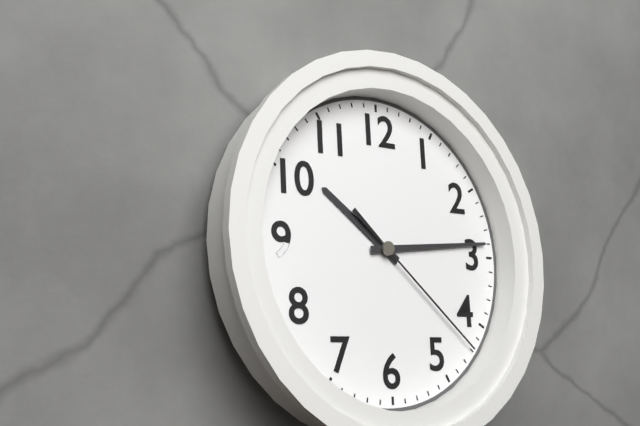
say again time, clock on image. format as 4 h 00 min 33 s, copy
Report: 10 h 14 min 22 s
